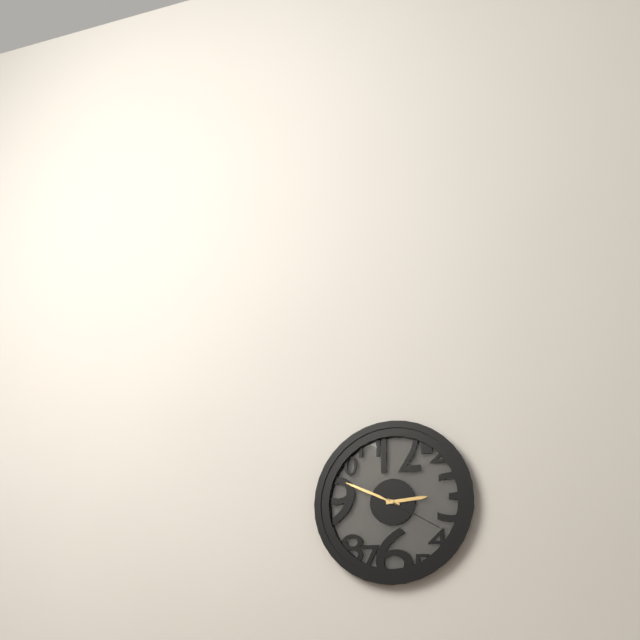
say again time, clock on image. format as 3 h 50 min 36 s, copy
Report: 2 h 49 min 20 s
